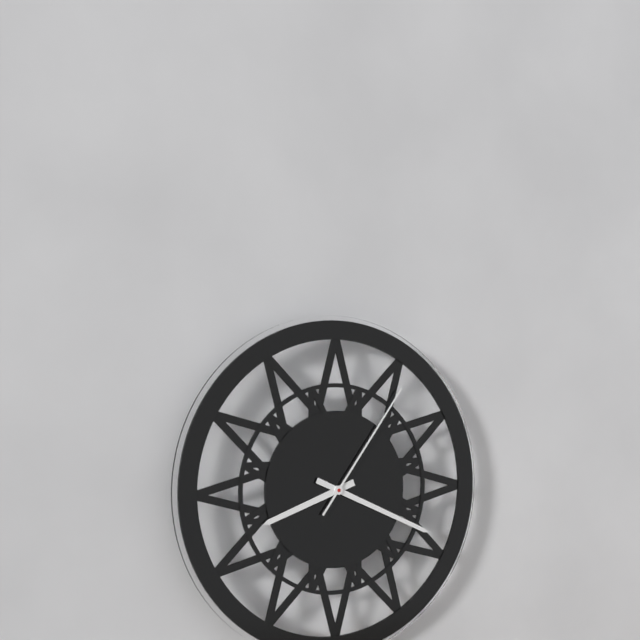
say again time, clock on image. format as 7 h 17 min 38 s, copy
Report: 8 h 19 min 06 s
